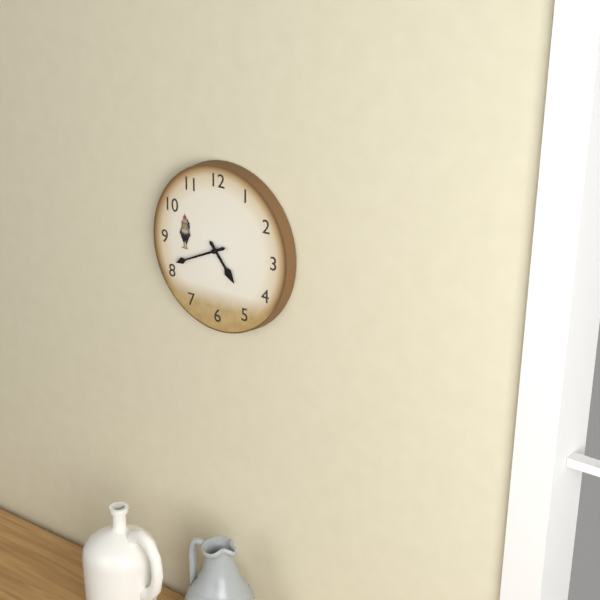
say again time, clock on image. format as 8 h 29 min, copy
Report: 4 h 41 min
